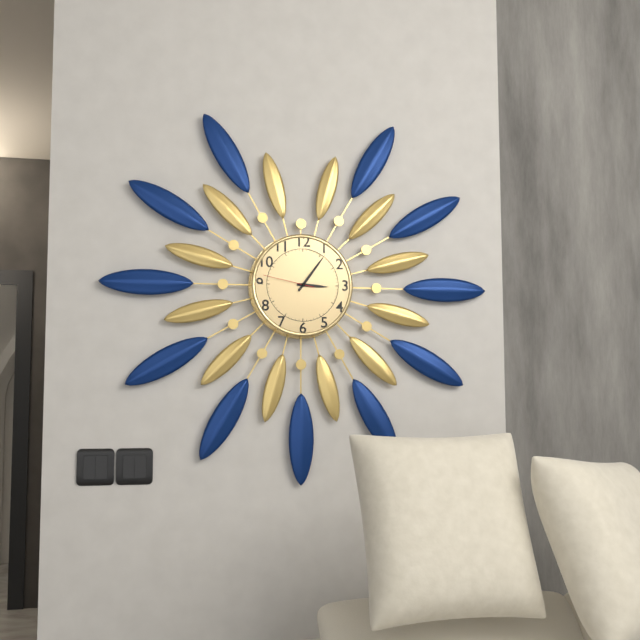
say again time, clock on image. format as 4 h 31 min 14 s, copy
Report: 3 h 06 min 47 s
